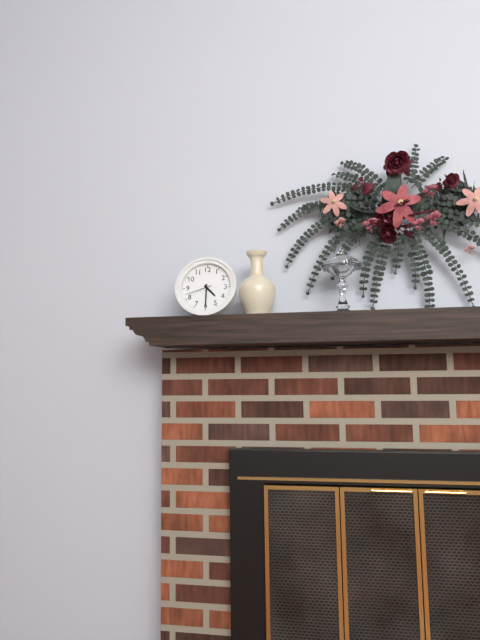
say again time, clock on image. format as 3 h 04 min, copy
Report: 4 h 30 min
